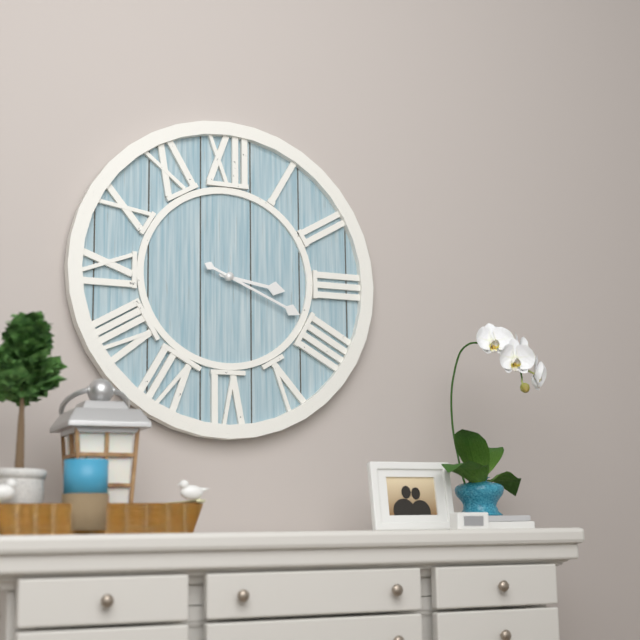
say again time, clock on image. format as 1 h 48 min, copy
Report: 3 h 19 min
